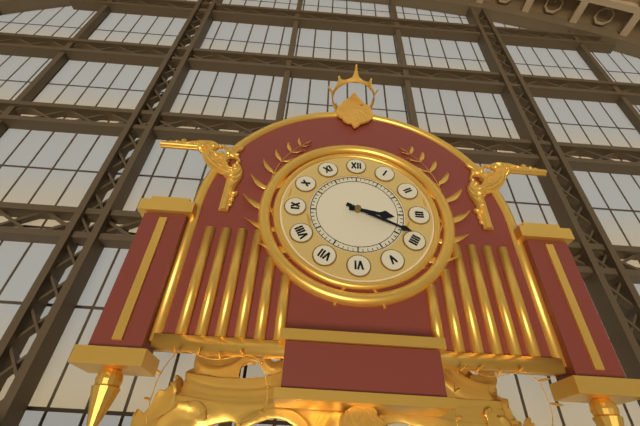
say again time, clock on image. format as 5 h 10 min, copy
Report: 3 h 19 min
